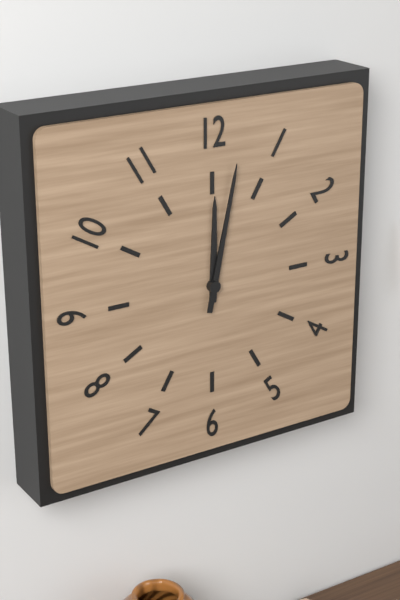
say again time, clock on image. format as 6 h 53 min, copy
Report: 12 h 02 min
